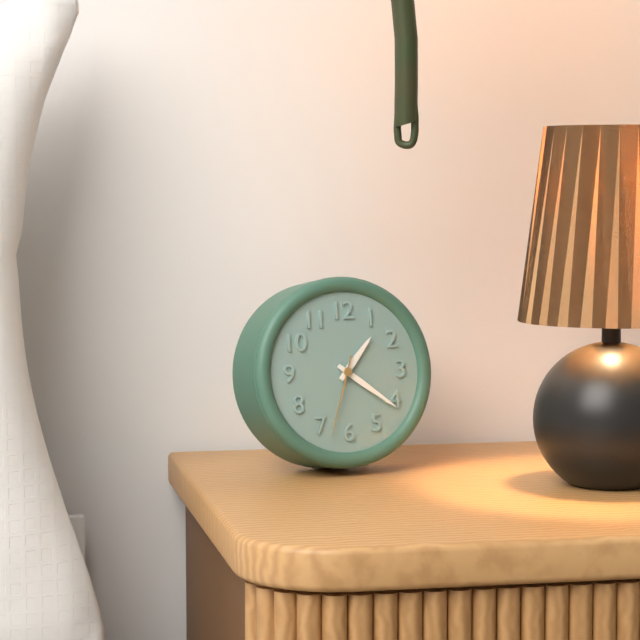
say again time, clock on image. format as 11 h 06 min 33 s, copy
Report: 1 h 21 min 33 s
